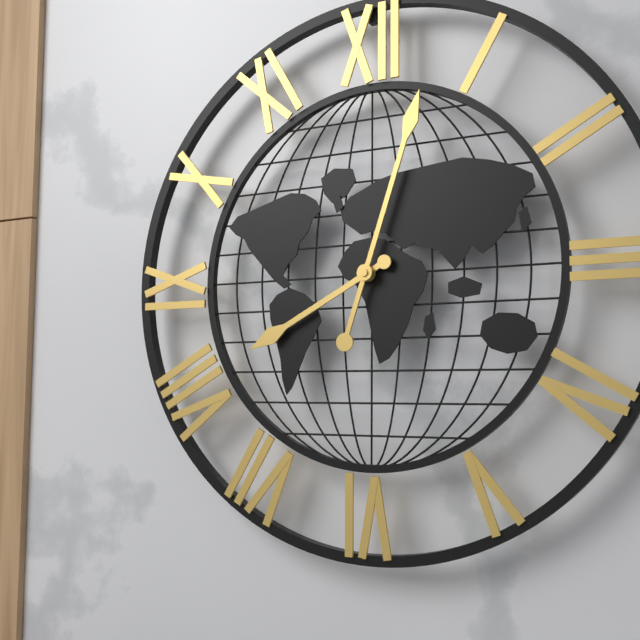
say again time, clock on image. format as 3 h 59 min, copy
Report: 8 h 03 min
